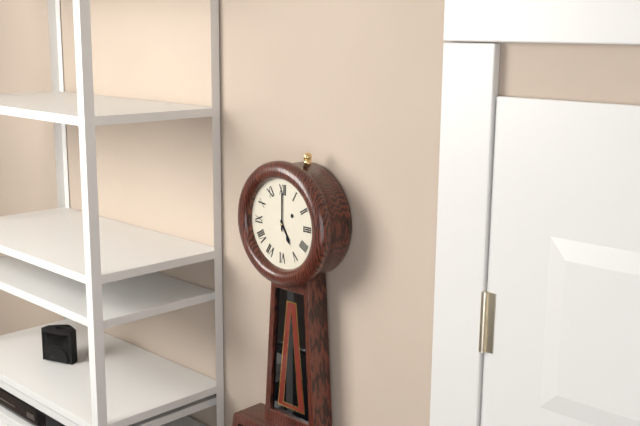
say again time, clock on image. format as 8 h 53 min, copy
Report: 5 h 00 min
